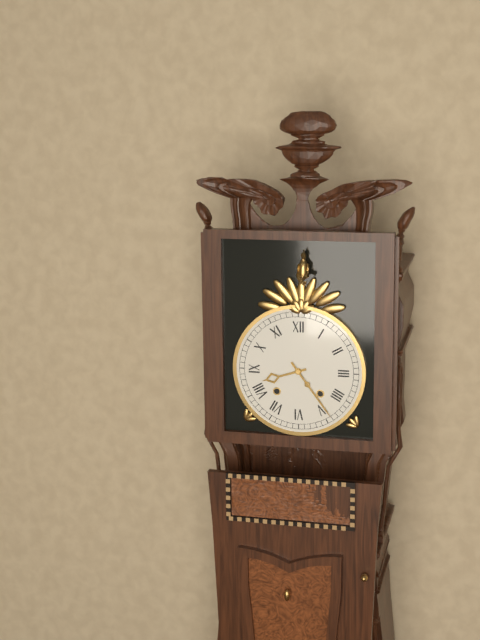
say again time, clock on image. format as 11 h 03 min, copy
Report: 8 h 24 min
